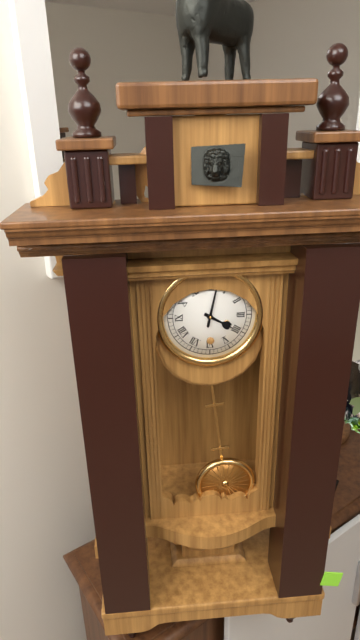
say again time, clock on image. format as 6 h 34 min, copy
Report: 4 h 02 min
